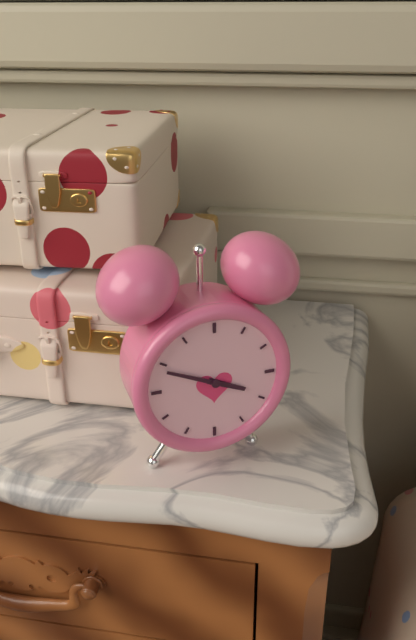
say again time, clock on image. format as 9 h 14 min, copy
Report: 3 h 49 min
